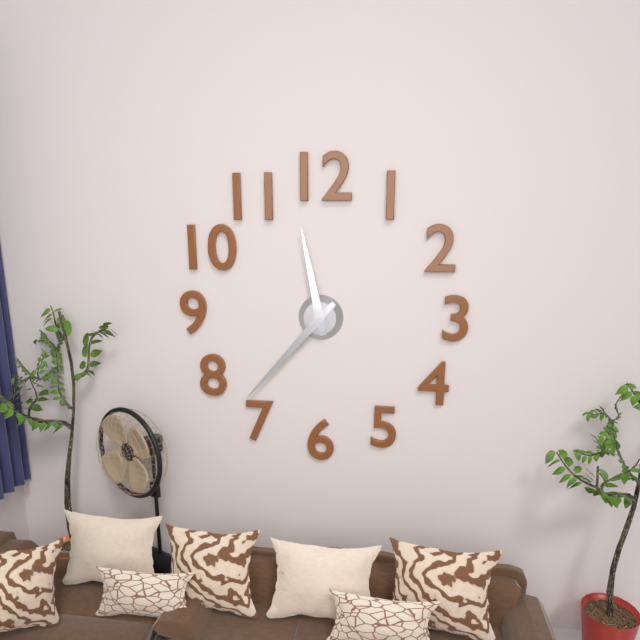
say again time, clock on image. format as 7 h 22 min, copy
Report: 11 h 37 min
